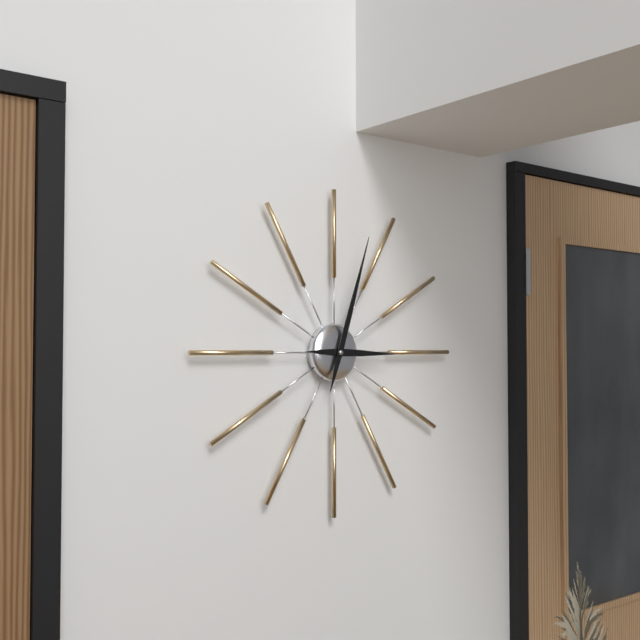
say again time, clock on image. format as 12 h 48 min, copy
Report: 3 h 03 min
